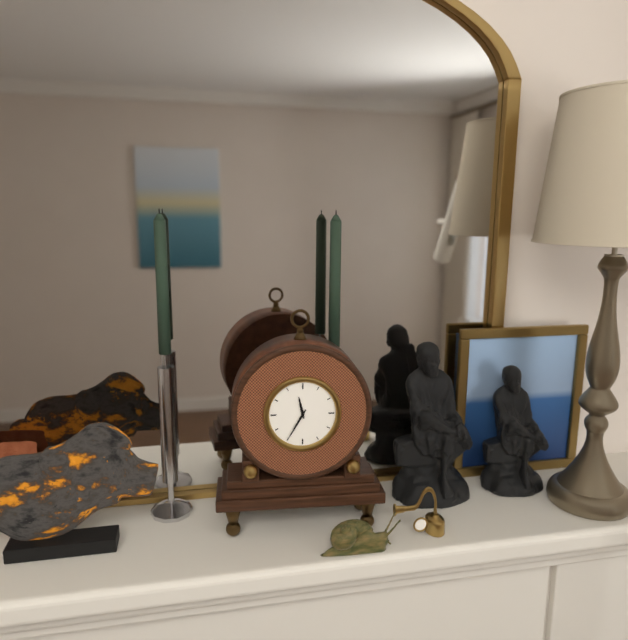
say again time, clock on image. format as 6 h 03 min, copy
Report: 11 h 35 min
